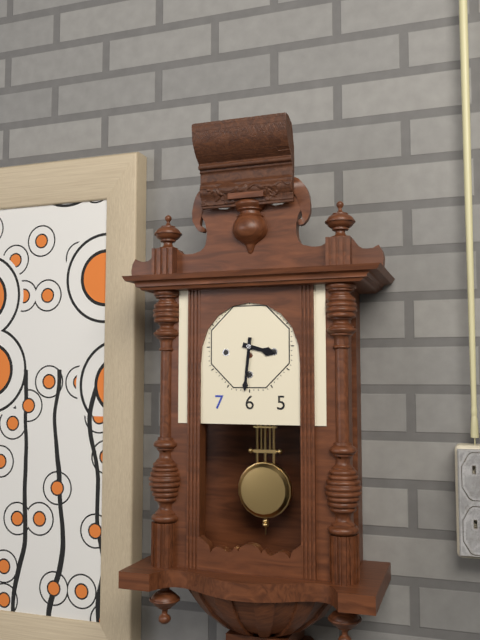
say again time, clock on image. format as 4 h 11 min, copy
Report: 3 h 31 min
